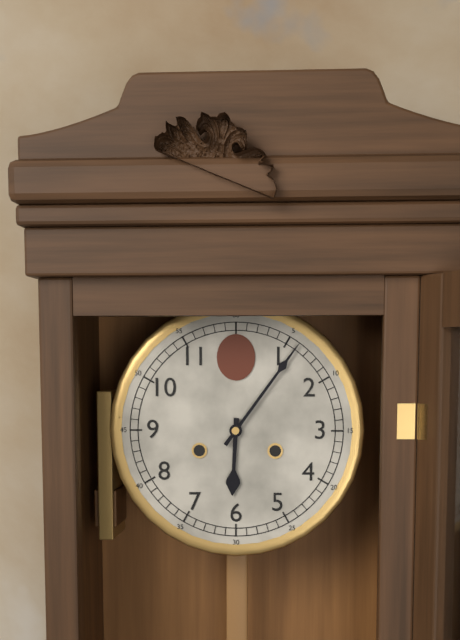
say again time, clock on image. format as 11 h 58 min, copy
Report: 6 h 06 min
